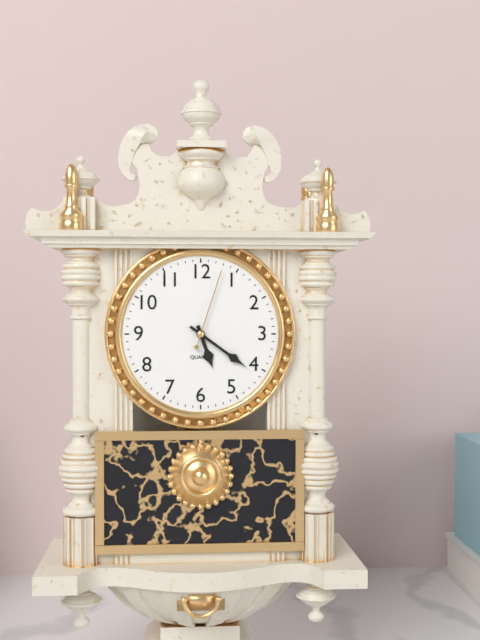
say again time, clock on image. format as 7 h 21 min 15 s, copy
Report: 5 h 21 min 03 s
